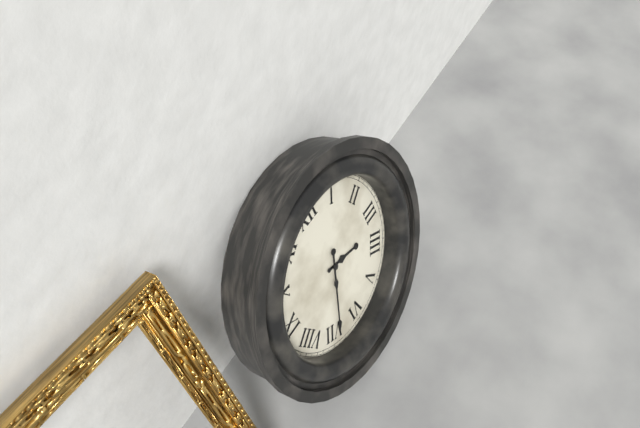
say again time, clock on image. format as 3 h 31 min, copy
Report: 3 h 34 min
